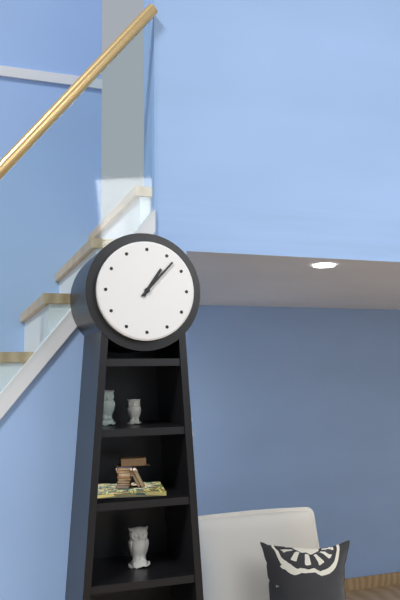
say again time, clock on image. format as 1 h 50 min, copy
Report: 1 h 07 min
